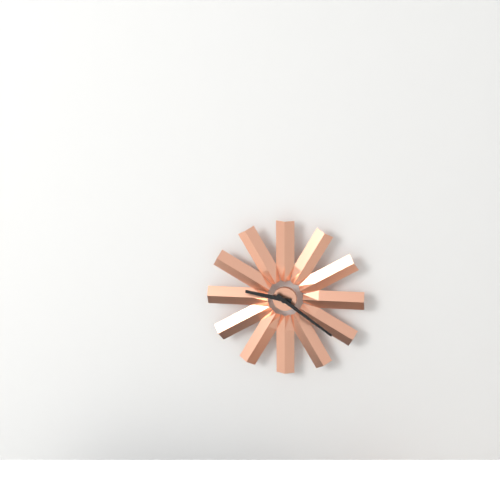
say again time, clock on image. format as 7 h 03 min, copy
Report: 9 h 21 min
